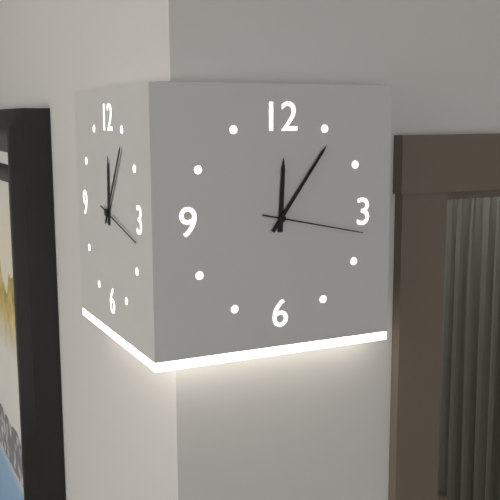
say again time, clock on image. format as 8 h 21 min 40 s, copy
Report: 12 h 06 min 17 s
